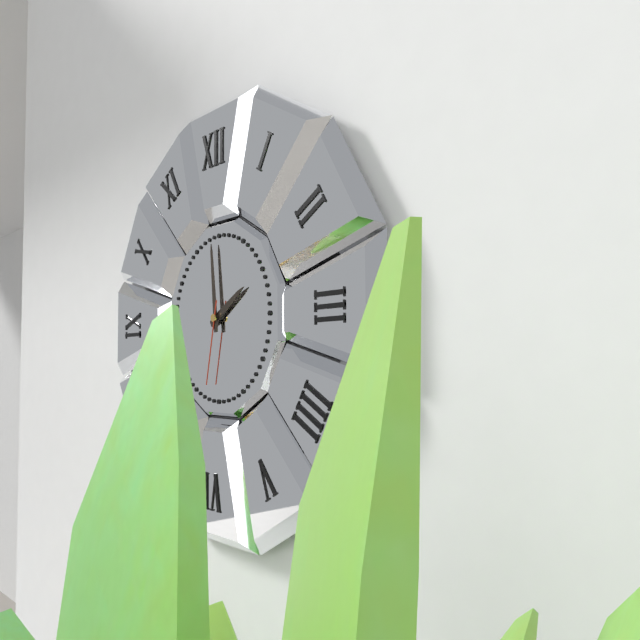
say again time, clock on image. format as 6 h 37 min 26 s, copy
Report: 1 h 59 min 32 s
